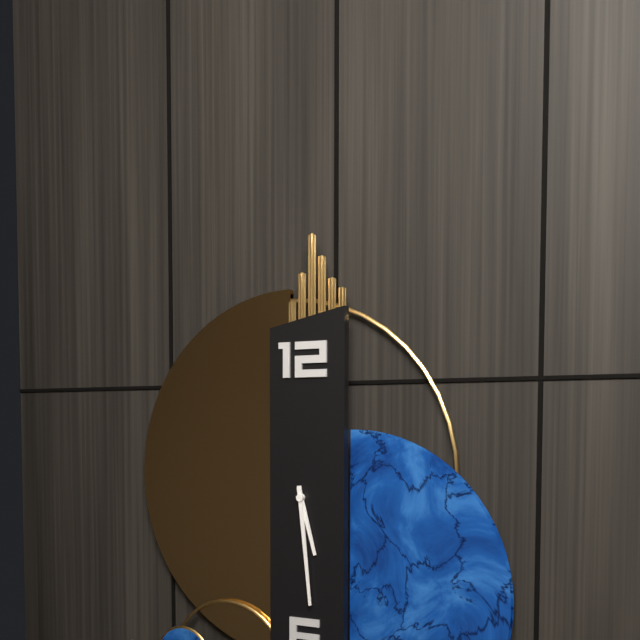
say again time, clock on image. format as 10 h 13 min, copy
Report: 5 h 29 min
